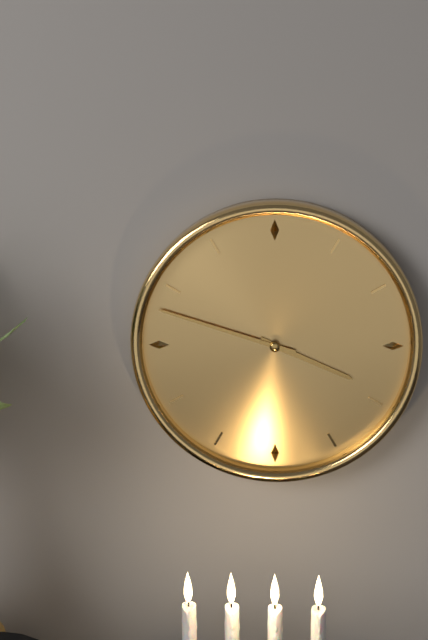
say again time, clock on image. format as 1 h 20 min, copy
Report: 3 h 48 min
